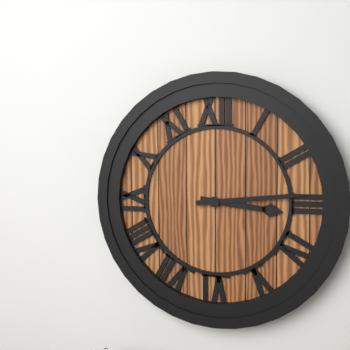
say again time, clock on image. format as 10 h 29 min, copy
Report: 3 h 14 min
